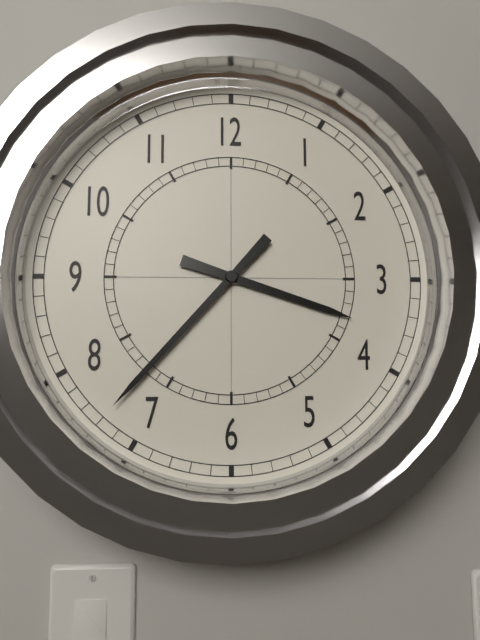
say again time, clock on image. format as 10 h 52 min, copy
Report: 3 h 37 min
